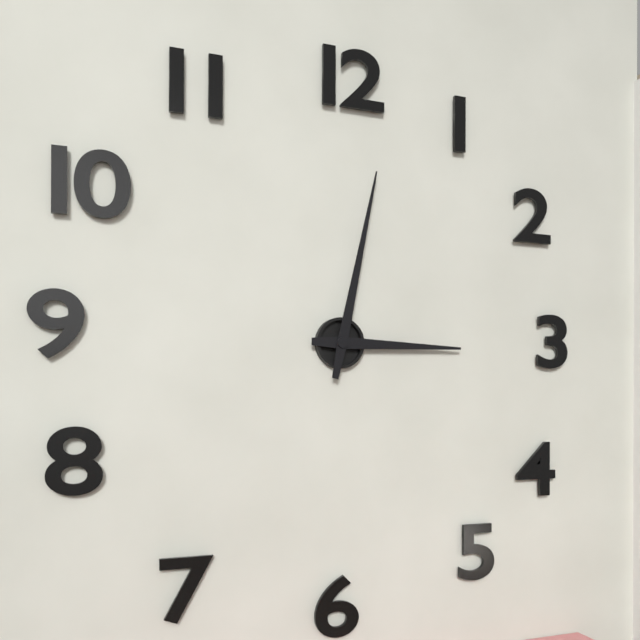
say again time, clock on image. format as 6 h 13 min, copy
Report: 3 h 02 min
